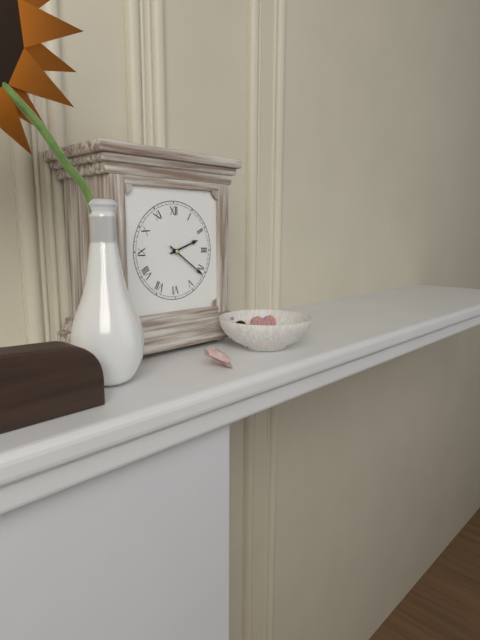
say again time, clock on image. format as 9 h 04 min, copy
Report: 2 h 21 min
